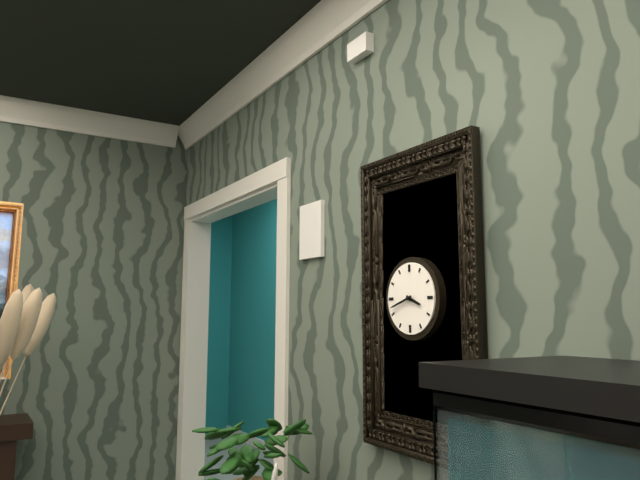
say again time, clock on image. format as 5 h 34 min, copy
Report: 3 h 42 min
